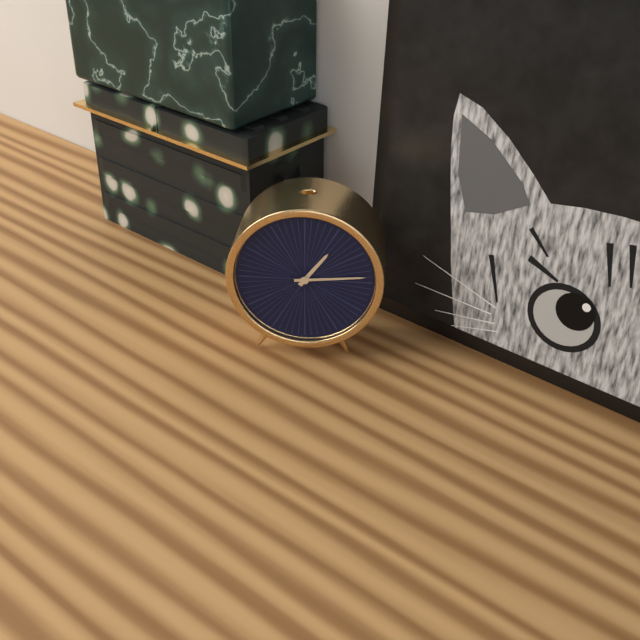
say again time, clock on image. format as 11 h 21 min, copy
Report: 1 h 14 min
